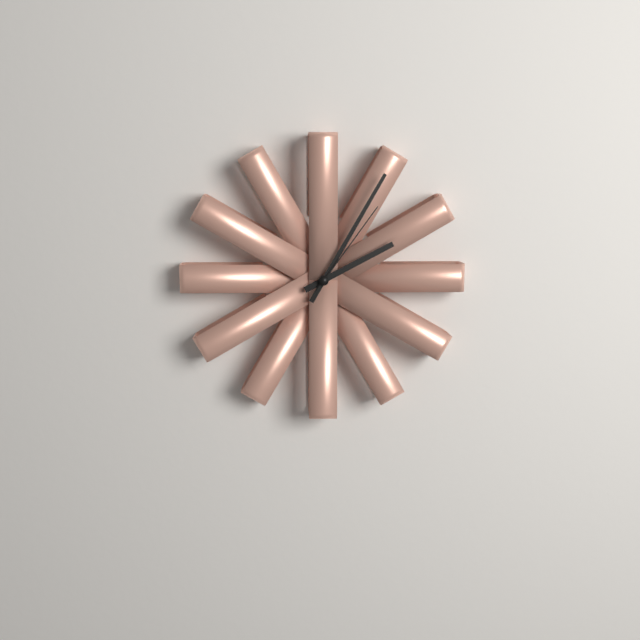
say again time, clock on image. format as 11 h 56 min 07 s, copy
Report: 2 h 05 min 06 s
